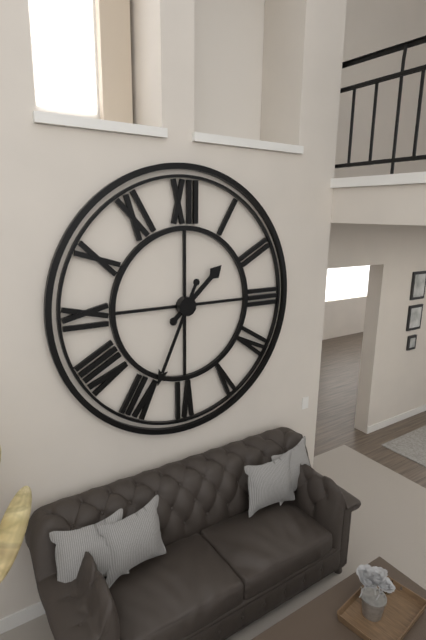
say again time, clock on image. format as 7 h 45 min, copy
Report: 1 h 34 min
